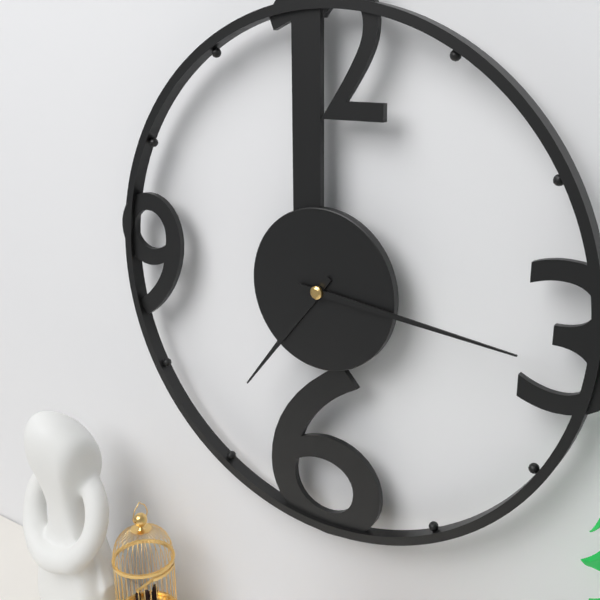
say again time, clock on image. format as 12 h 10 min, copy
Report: 7 h 16 min
